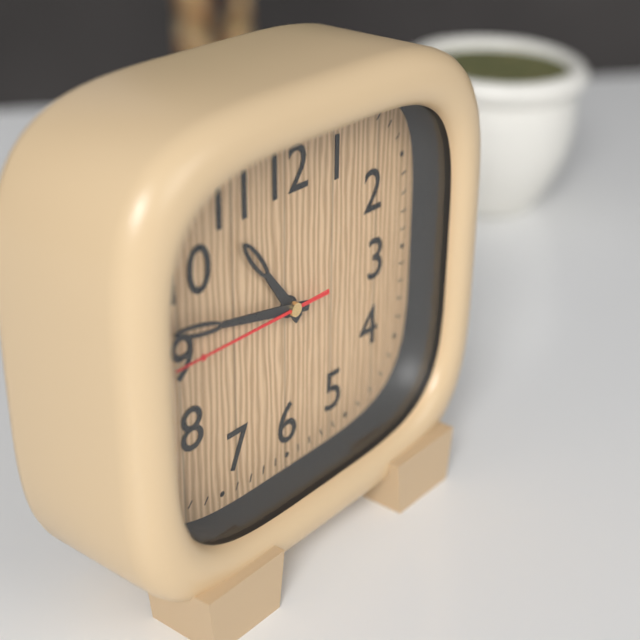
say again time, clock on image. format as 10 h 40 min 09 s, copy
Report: 10 h 47 min 45 s
